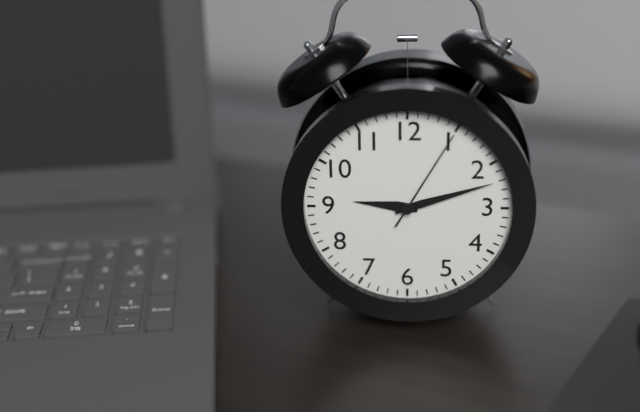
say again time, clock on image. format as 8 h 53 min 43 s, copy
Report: 9 h 12 min 05 s
